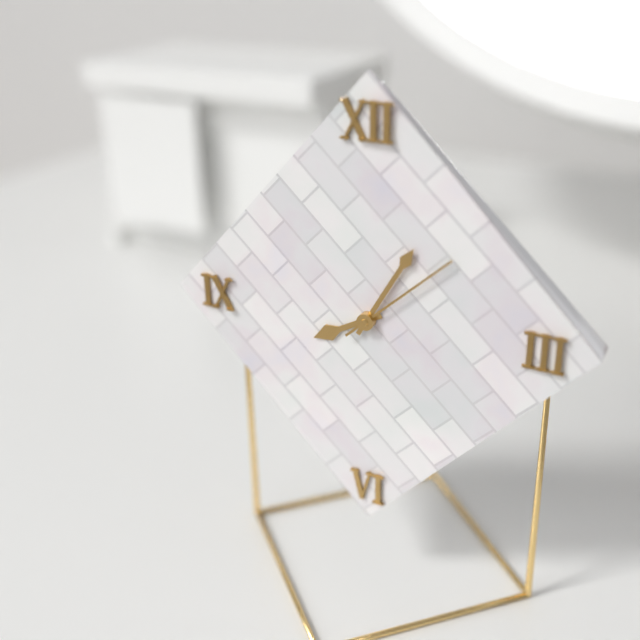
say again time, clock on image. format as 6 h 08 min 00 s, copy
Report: 8 h 05 min 08 s
